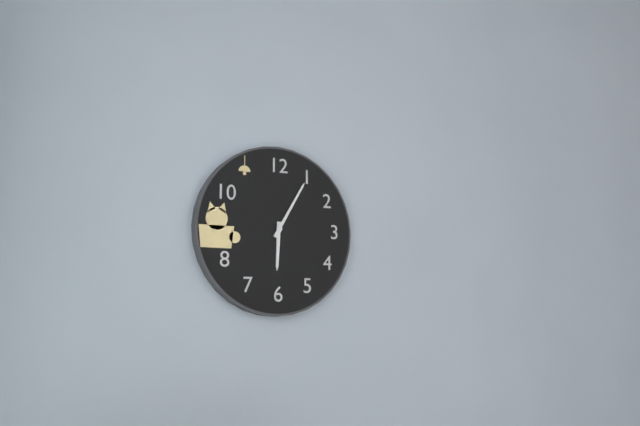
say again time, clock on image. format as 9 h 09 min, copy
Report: 6 h 05 min
